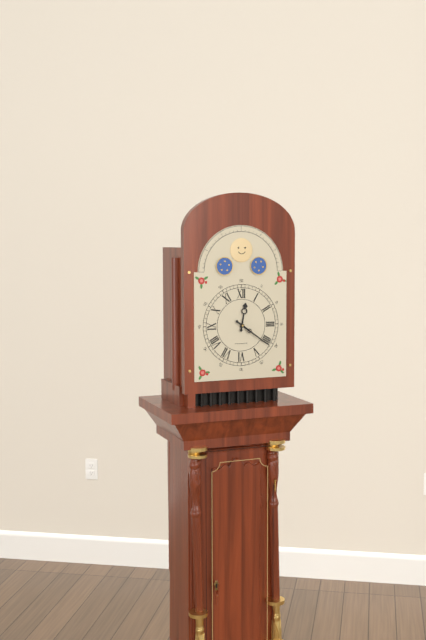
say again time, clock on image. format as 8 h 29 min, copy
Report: 12 h 21 min
